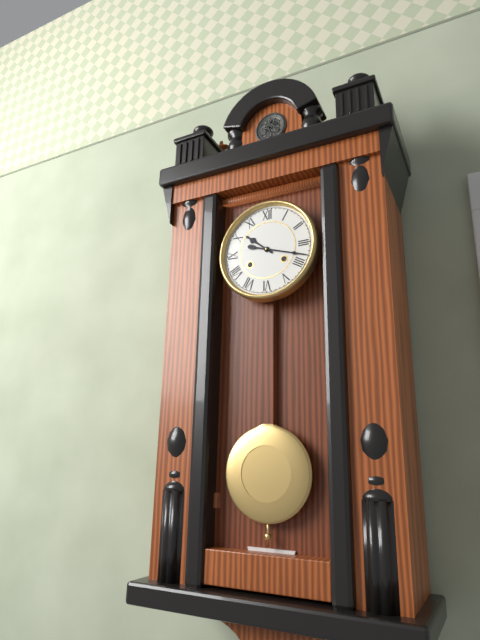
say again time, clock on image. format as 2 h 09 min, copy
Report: 10 h 18 min
